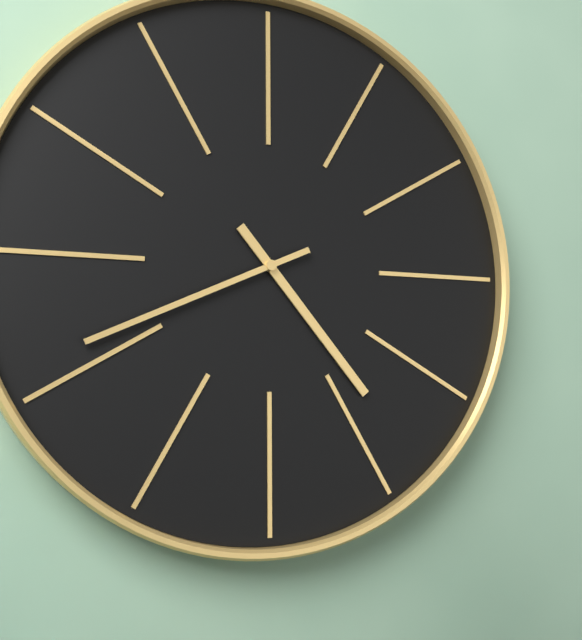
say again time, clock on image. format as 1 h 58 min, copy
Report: 4 h 41 min
